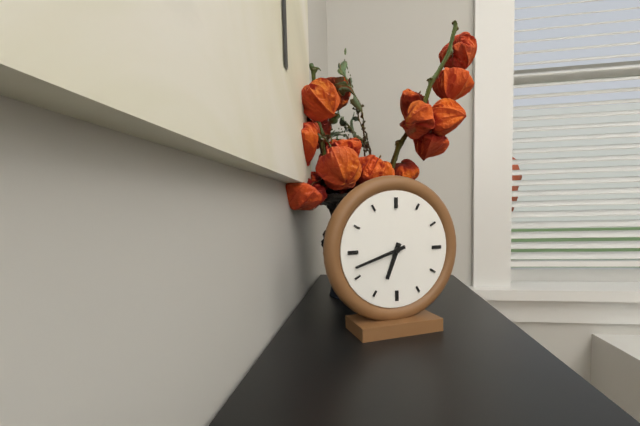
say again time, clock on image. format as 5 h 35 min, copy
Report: 6 h 42 min
